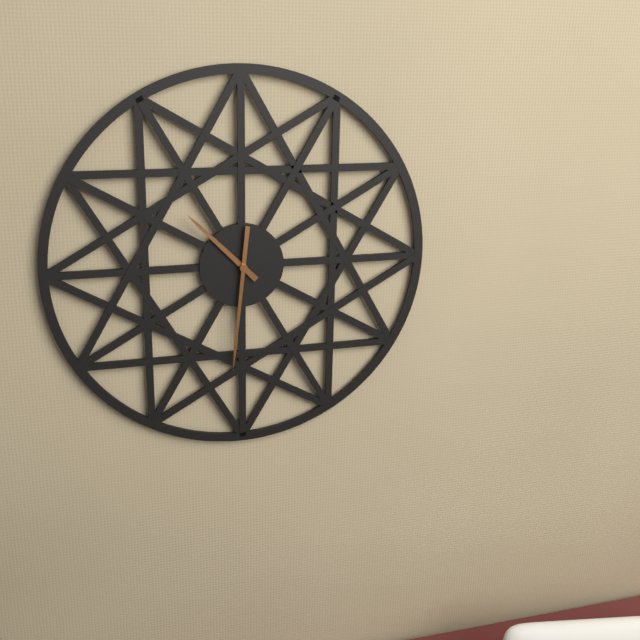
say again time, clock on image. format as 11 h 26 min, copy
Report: 10 h 31 min
